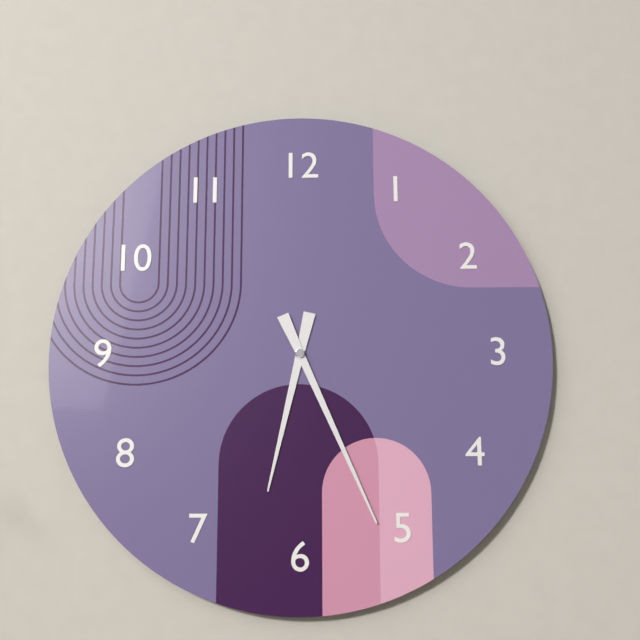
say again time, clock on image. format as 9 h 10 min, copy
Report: 6 h 26 min
